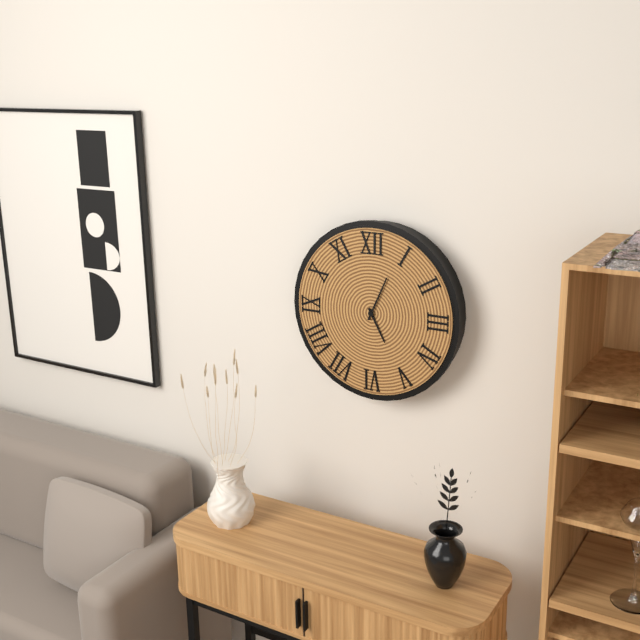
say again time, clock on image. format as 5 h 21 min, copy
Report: 5 h 04 min
